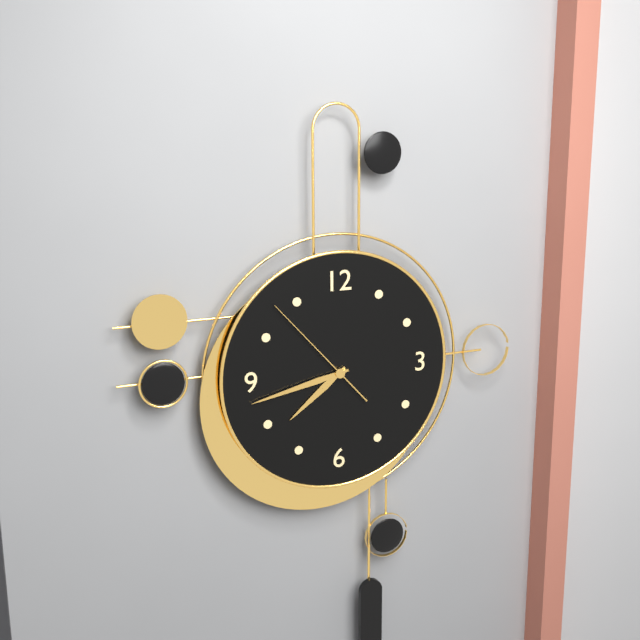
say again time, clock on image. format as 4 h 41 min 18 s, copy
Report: 7 h 43 min 53 s
